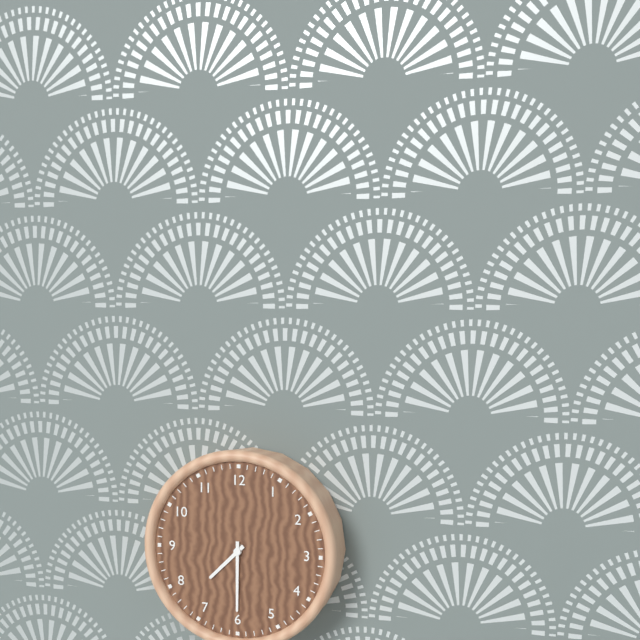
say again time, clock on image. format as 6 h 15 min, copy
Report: 7 h 30 min
